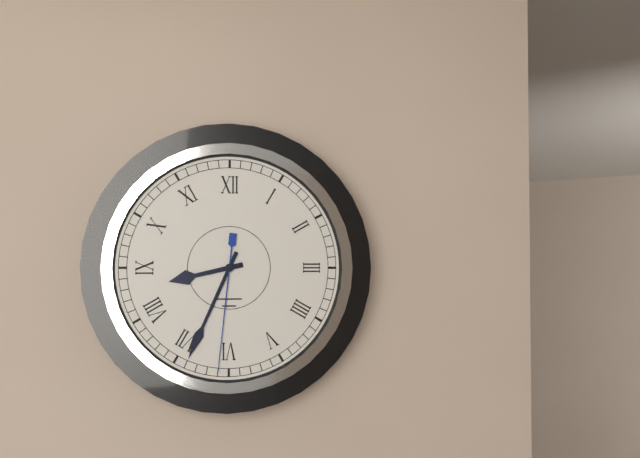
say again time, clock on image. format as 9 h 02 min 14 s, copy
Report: 8 h 34 min 31 s
